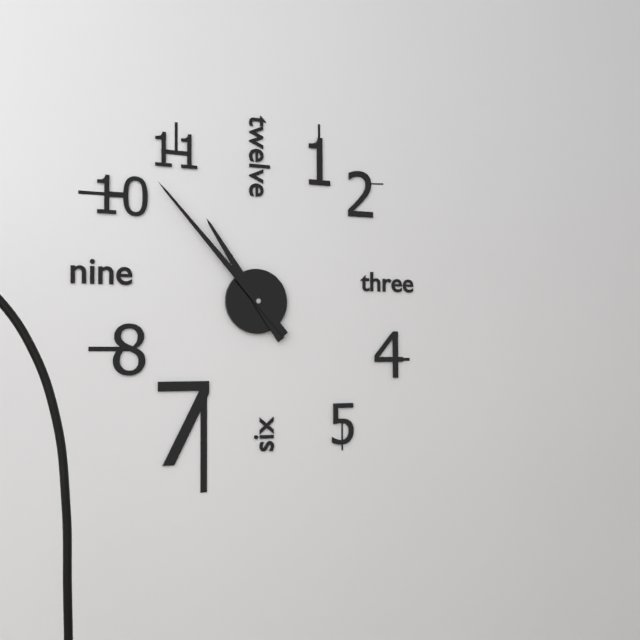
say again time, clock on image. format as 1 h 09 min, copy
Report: 10 h 53 min
